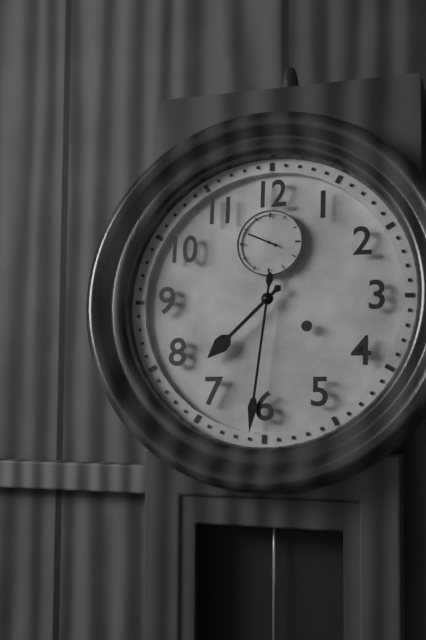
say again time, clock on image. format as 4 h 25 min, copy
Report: 7 h 31 min
